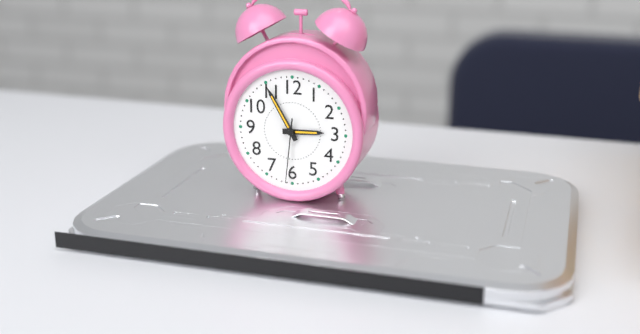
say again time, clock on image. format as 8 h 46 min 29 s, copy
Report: 2 h 55 min 31 s
